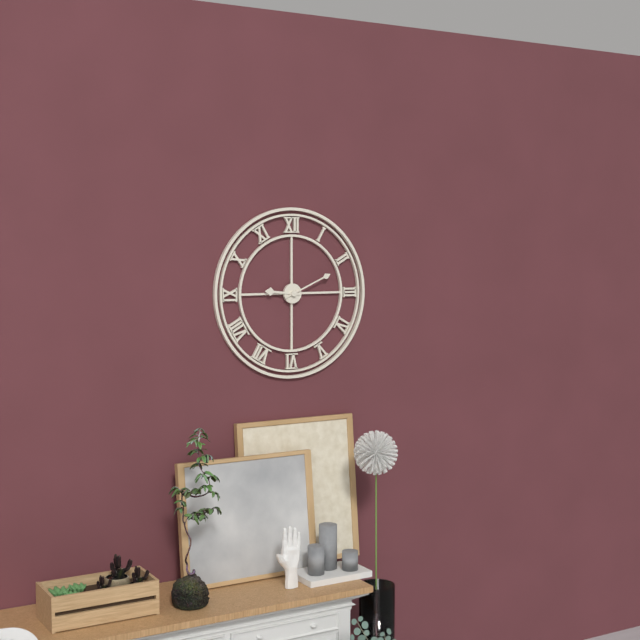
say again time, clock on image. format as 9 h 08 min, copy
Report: 9 h 11 min
